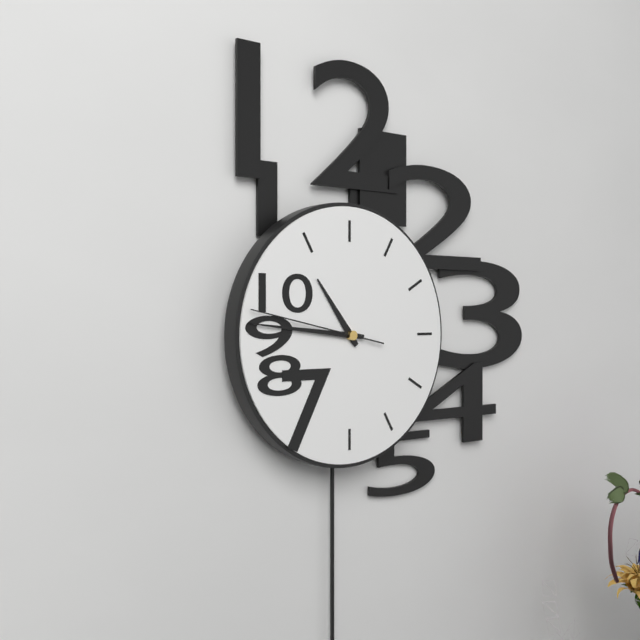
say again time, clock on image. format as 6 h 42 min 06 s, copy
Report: 10 h 46 min 47 s
